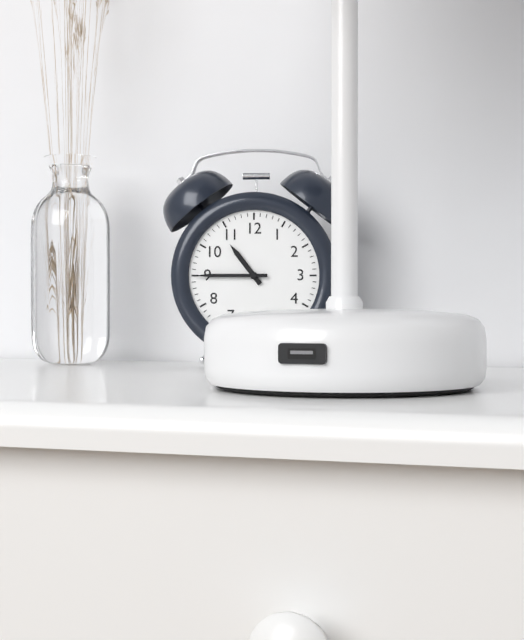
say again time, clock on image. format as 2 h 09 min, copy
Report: 10 h 45 min
